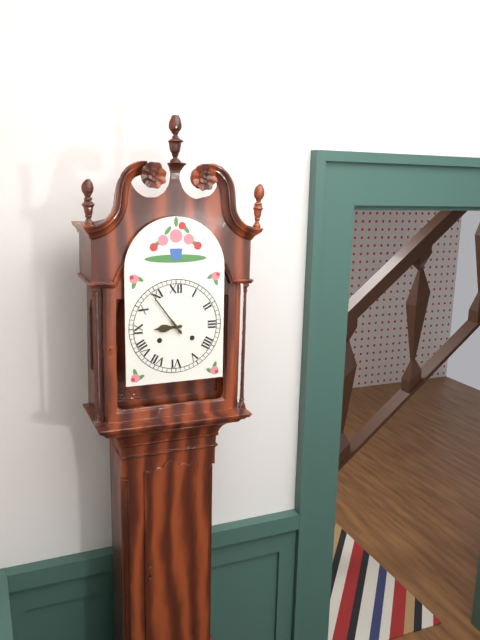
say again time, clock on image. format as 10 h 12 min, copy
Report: 8 h 54 min
